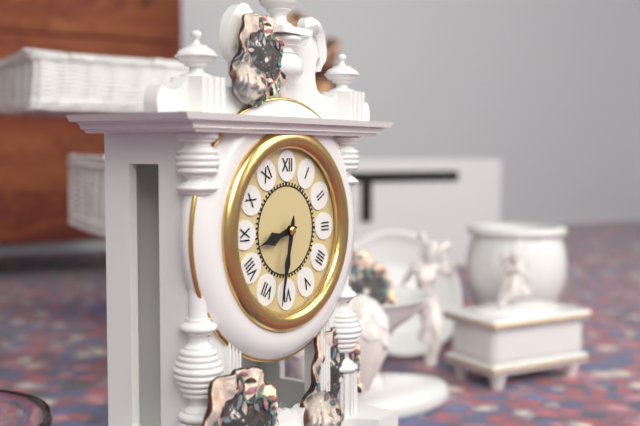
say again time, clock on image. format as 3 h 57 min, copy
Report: 8 h 32 min
